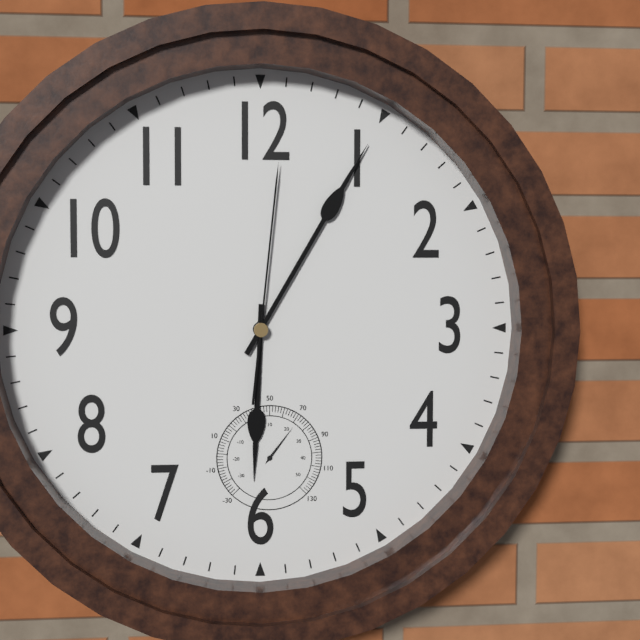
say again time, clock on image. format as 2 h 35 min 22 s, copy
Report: 6 h 05 min 01 s
